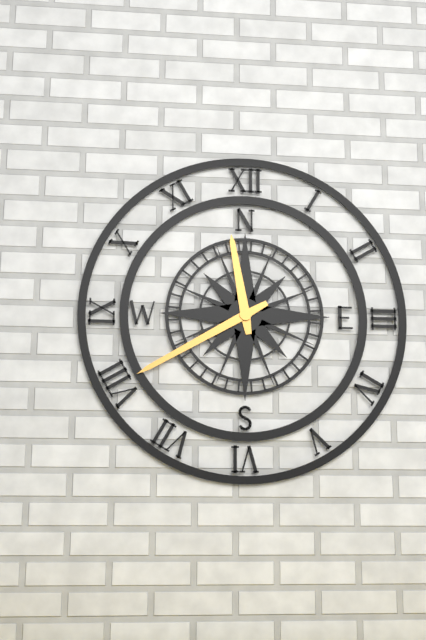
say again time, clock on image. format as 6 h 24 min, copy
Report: 11 h 40 min
